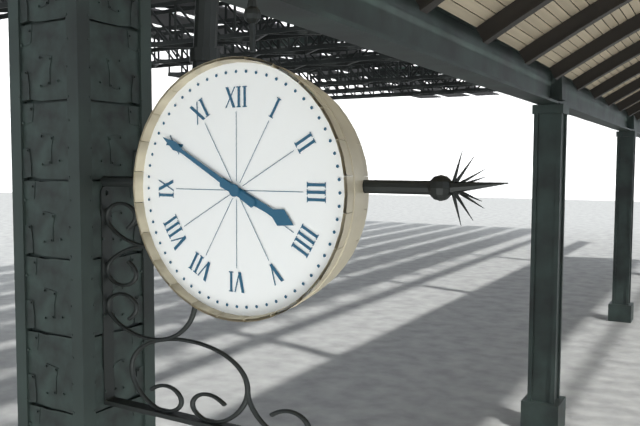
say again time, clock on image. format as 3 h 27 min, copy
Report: 3 h 50 min
